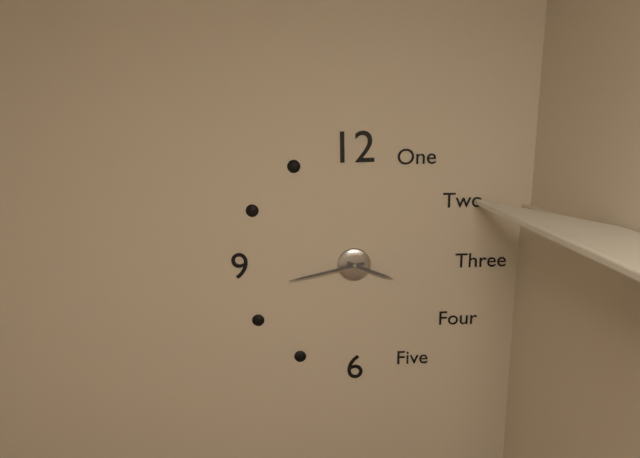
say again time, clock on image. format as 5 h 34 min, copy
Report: 3 h 43 min
